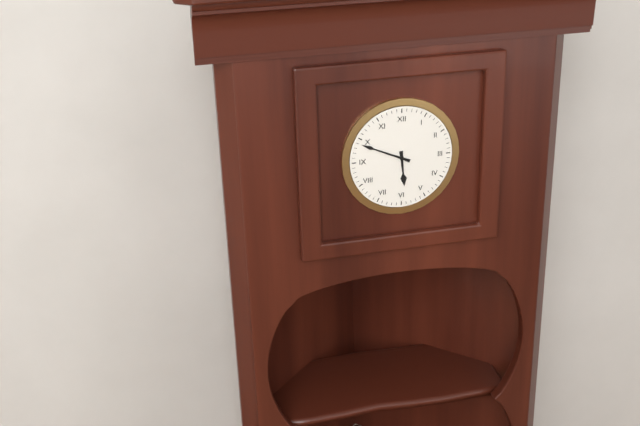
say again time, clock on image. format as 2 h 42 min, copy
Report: 5 h 49 min
